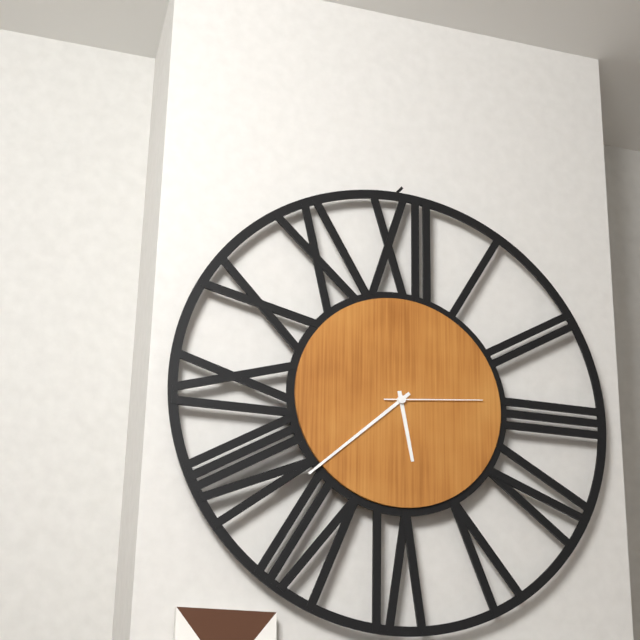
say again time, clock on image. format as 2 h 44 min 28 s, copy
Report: 5 h 38 min 14 s
